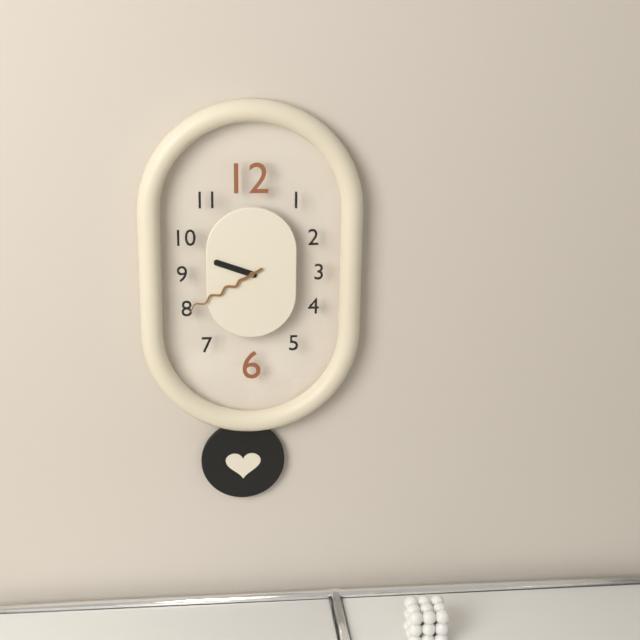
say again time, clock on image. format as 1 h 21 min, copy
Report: 9 h 40 min
